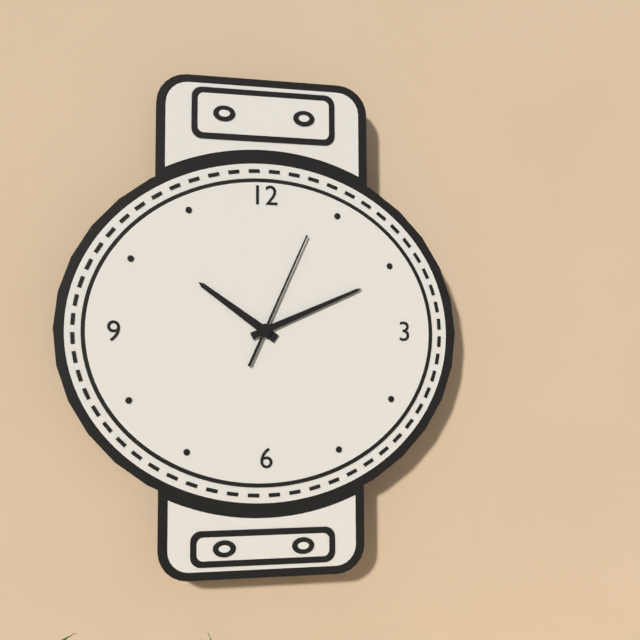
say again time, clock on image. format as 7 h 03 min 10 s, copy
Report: 10 h 11 min 04 s
